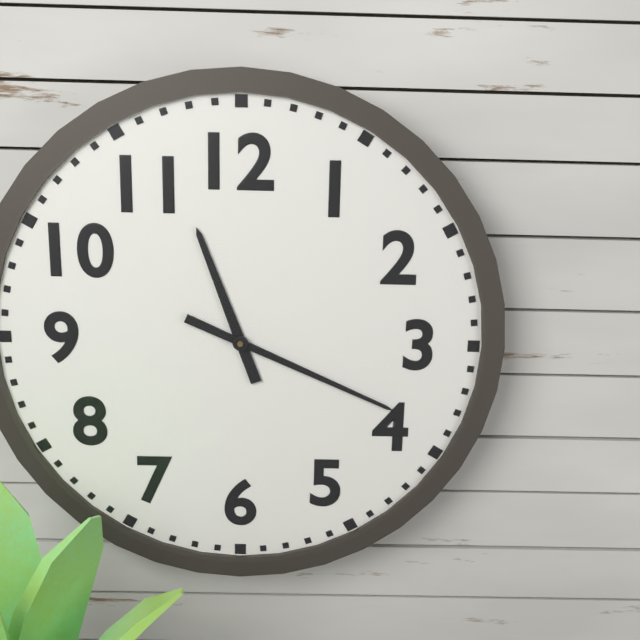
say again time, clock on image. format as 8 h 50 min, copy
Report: 11 h 19 min
